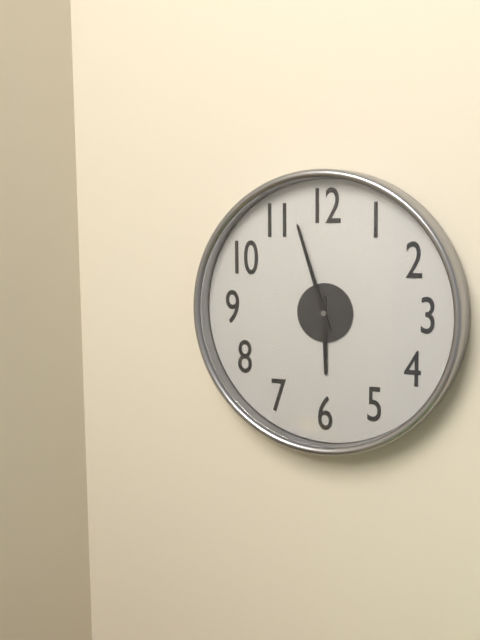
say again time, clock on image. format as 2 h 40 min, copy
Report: 5 h 57 min
